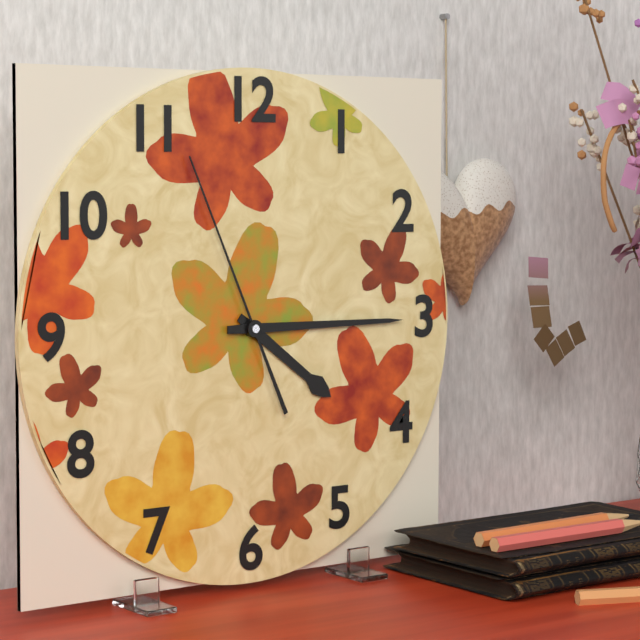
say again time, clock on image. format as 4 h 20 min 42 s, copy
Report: 4 h 15 min 56 s
